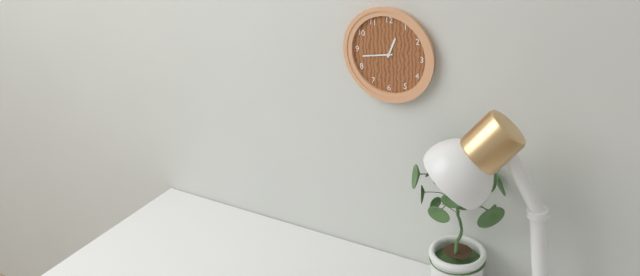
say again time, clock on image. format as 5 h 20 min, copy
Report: 12 h 43 min
